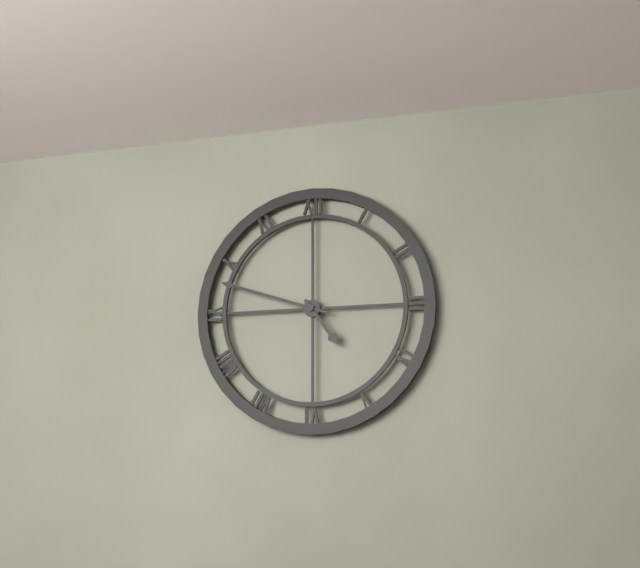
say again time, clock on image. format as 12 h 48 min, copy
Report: 4 h 48 min
